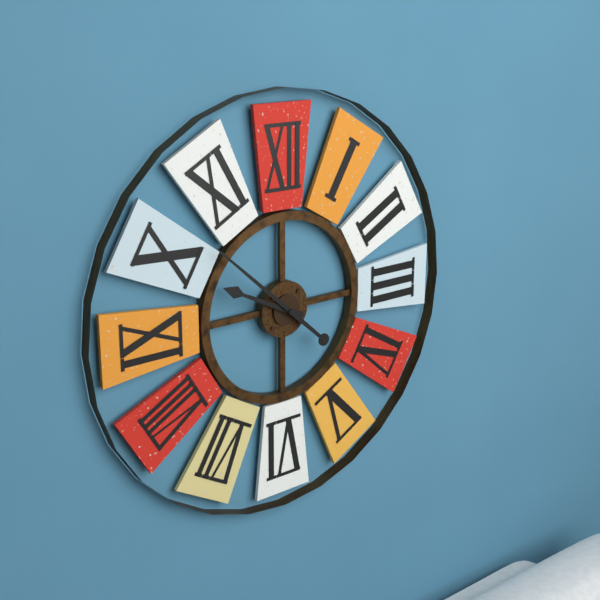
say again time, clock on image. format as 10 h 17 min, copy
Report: 9 h 52 min
